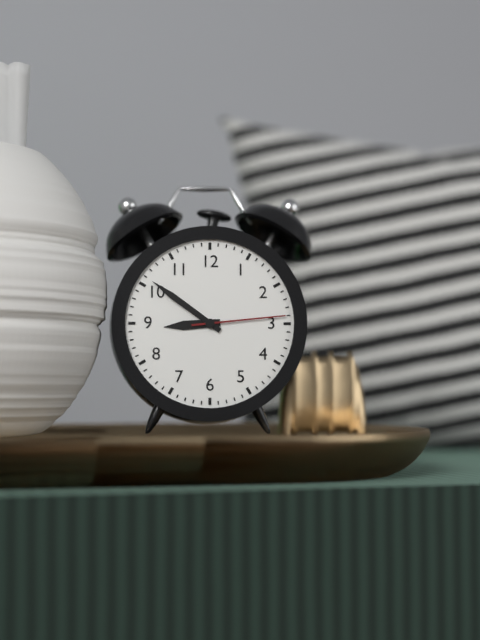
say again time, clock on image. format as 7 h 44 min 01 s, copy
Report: 8 h 51 min 14 s
